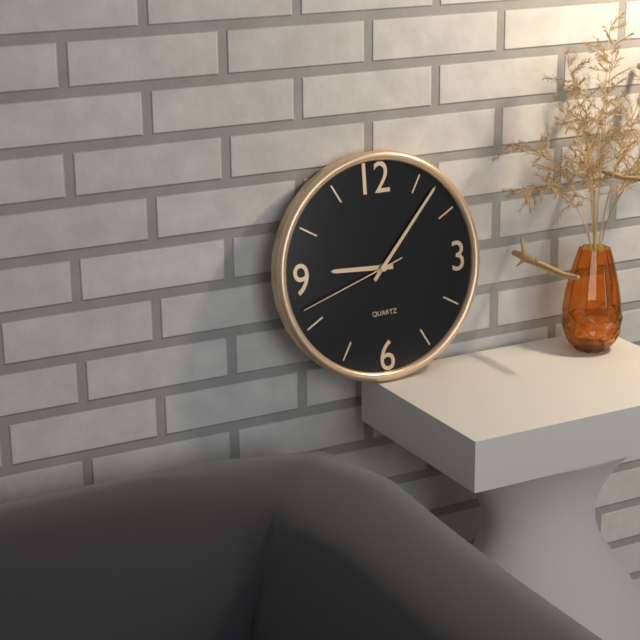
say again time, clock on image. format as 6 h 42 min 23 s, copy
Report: 9 h 07 min 42 s
